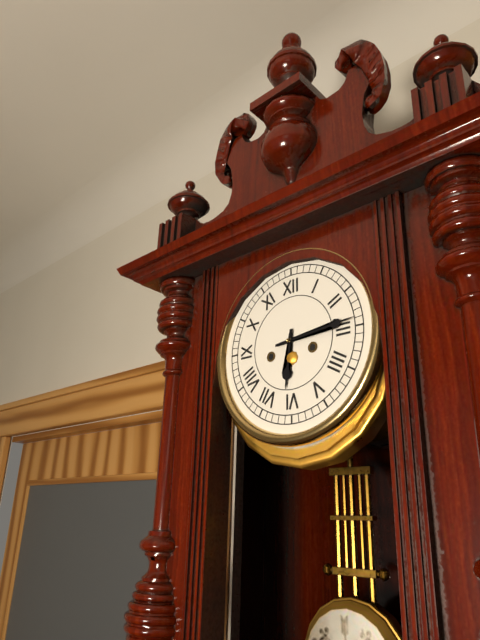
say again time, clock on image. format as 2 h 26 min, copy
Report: 6 h 14 min
